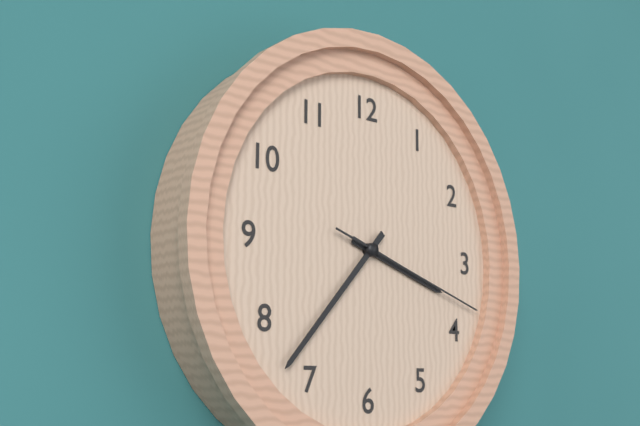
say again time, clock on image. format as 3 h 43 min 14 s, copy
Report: 3 h 37 min 18 s
